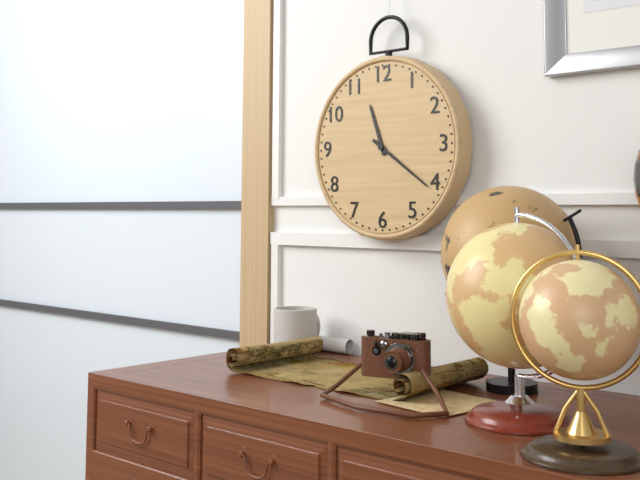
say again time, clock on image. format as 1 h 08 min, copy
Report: 11 h 21 min
